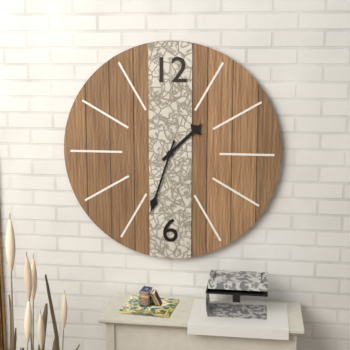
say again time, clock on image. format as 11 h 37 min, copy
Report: 1 h 33 min
